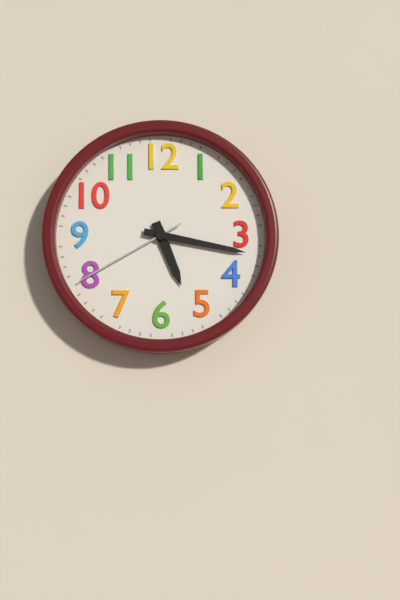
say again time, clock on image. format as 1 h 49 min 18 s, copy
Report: 5 h 17 min 40 s
